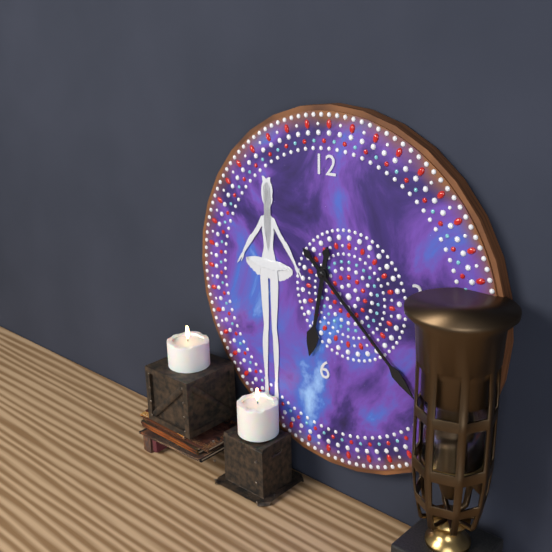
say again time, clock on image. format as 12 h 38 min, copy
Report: 6 h 22 min
